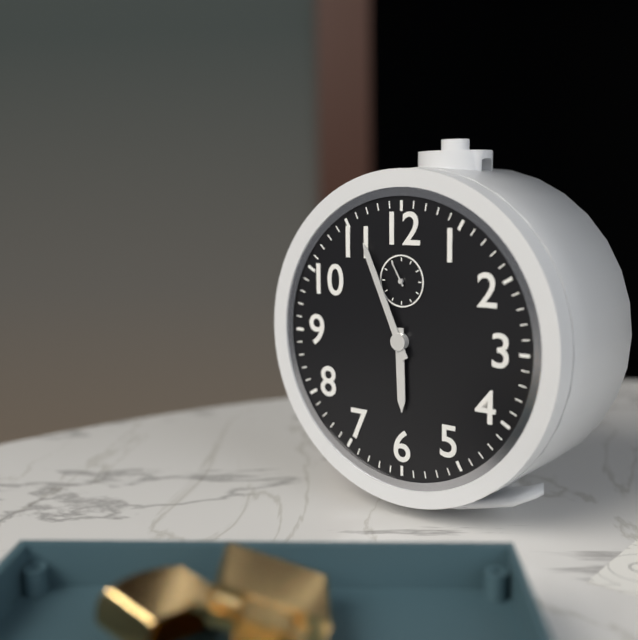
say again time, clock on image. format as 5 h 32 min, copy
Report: 5 h 56 min
